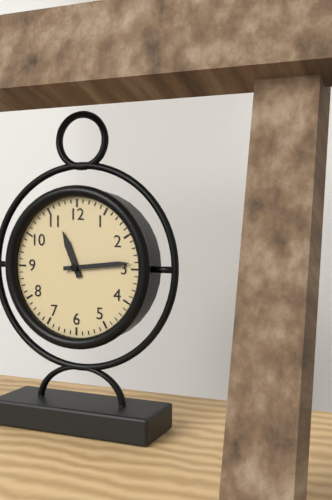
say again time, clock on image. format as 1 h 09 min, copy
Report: 11 h 14 min
